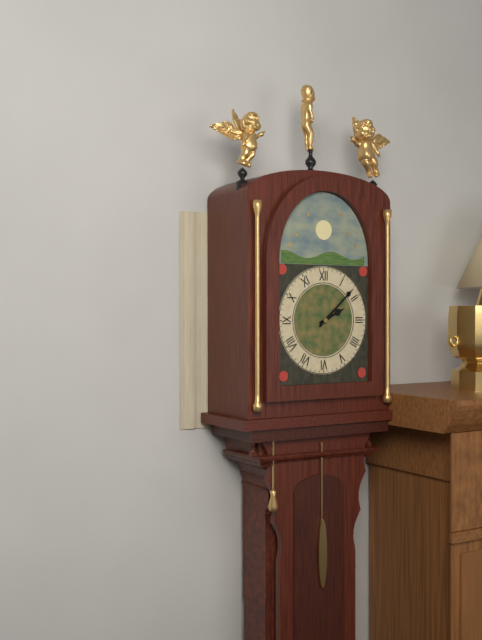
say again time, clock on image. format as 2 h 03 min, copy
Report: 2 h 08 min
